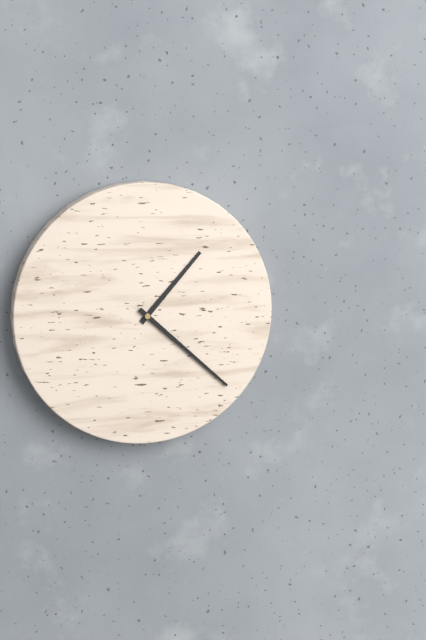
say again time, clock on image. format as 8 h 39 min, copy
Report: 1 h 22 min
